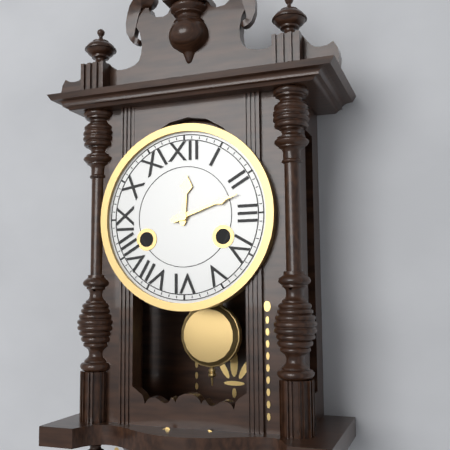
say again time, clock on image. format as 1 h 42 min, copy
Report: 12 h 12 min
